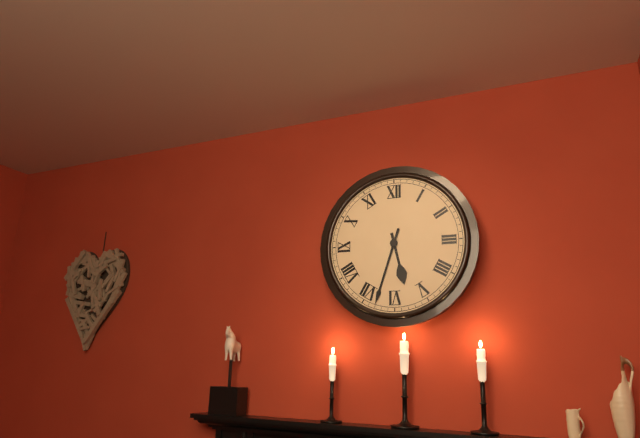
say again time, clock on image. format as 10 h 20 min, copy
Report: 5 h 33 min
